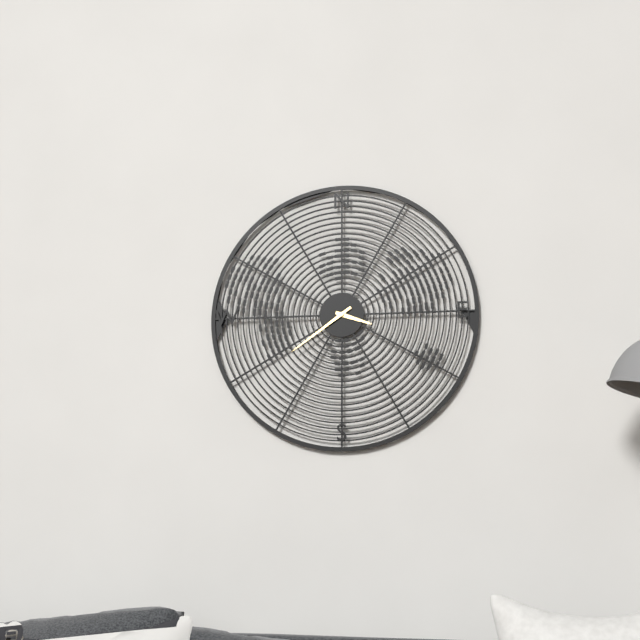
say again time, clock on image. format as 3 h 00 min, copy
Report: 3 h 39 min
